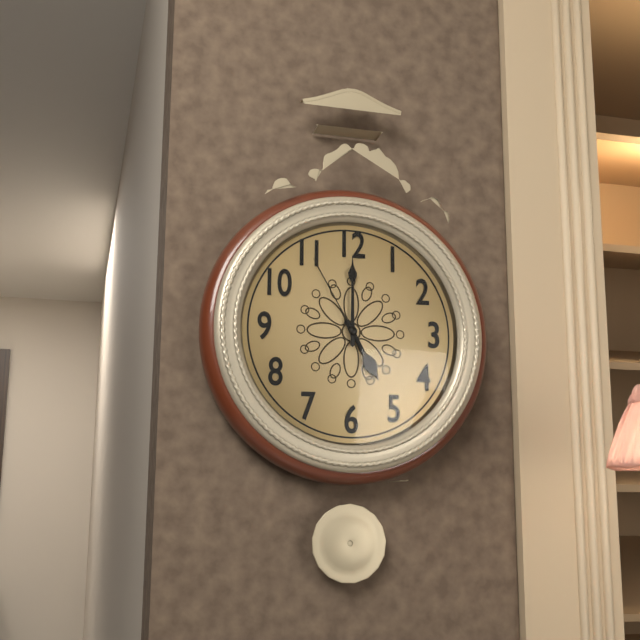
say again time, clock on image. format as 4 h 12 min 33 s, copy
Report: 5 h 00 min 55 s
